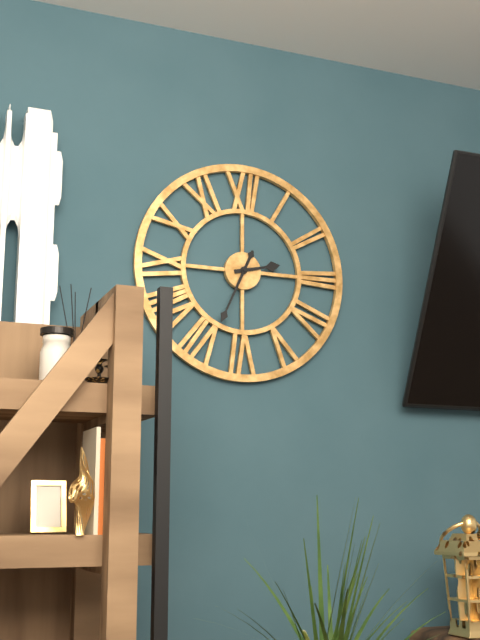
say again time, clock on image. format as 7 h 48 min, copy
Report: 2 h 34 min
